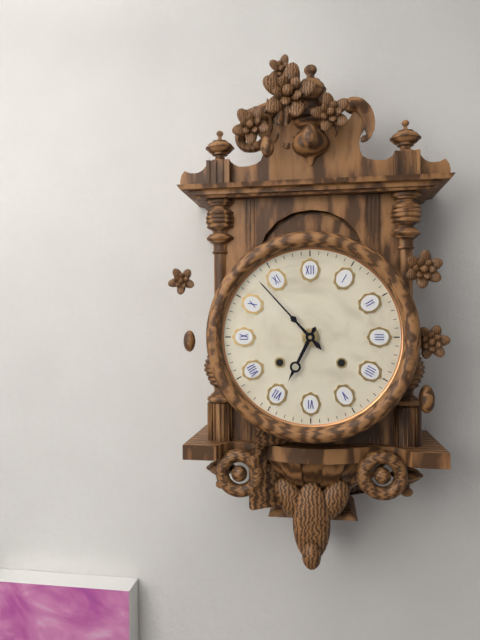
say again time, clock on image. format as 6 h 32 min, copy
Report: 6 h 53 min
